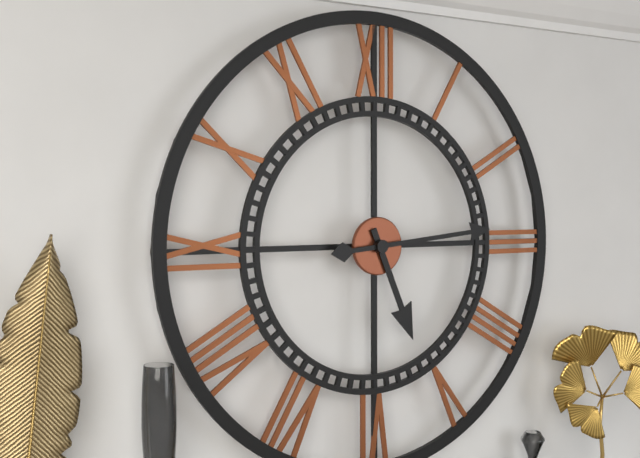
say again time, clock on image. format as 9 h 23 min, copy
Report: 5 h 14 min
